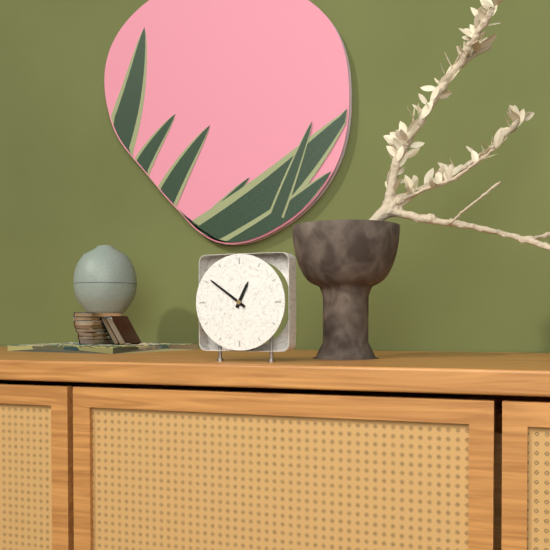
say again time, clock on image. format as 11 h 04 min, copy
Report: 12 h 51 min
